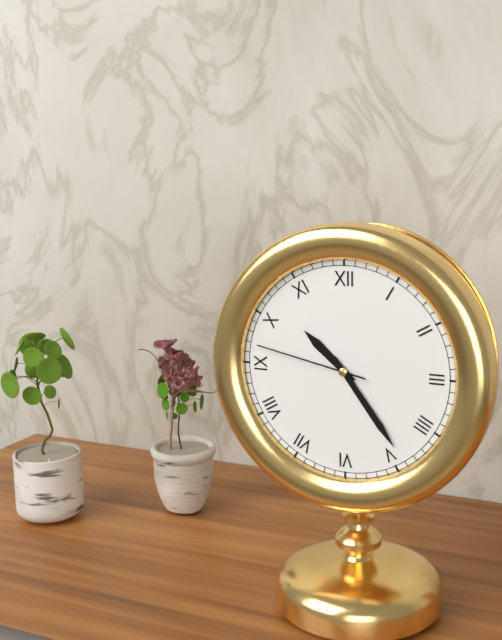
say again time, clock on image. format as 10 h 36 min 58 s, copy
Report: 10 h 24 min 47 s
